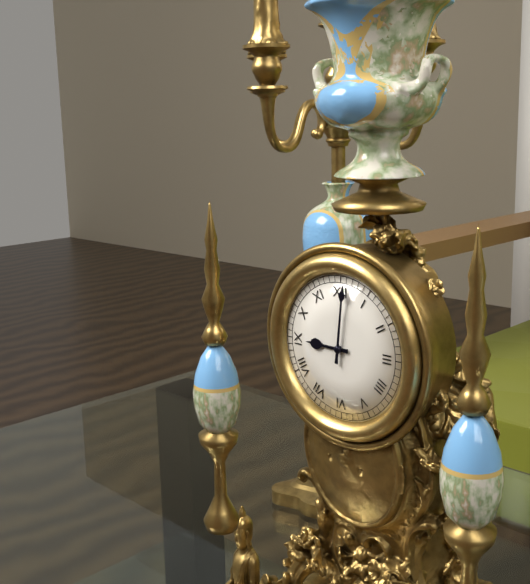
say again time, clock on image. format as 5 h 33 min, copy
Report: 9 h 01 min
